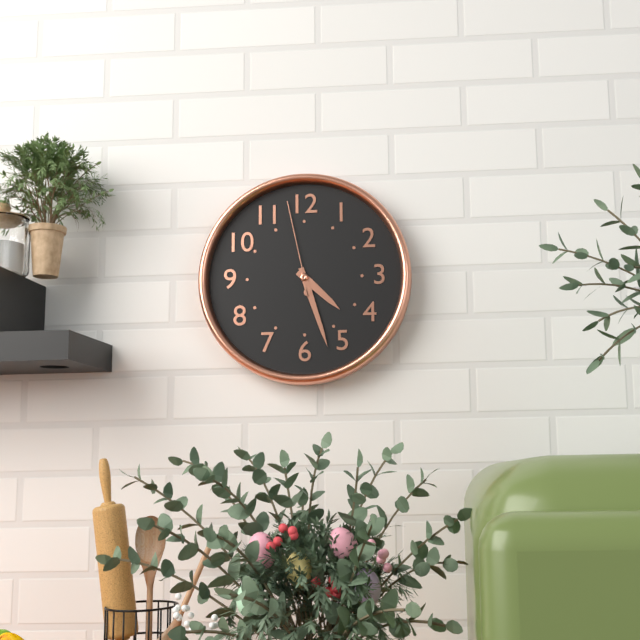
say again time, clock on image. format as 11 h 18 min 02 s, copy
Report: 4 h 27 min 58 s
